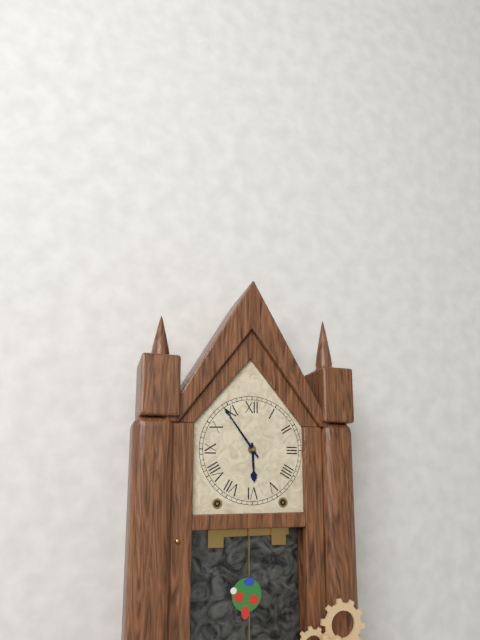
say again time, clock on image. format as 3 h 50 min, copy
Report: 5 h 54 min
